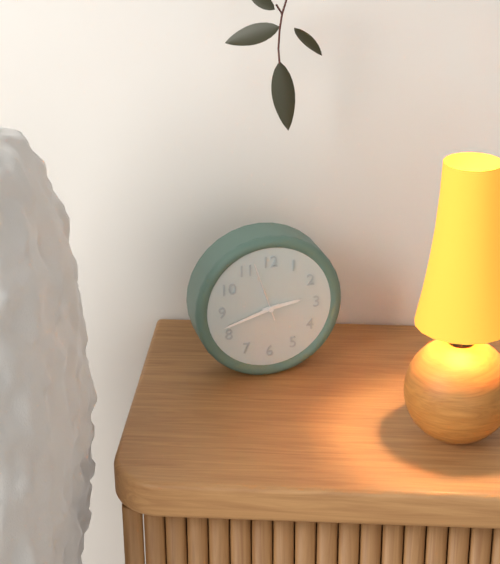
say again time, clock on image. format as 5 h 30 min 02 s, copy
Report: 2 h 42 min 57 s
